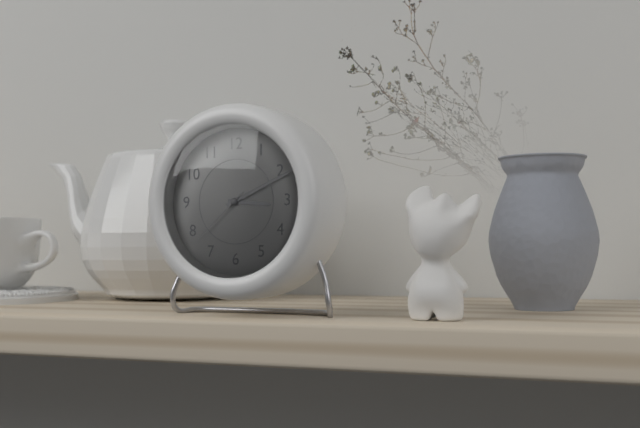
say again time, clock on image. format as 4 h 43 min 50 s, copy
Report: 3 h 11 min 38 s
